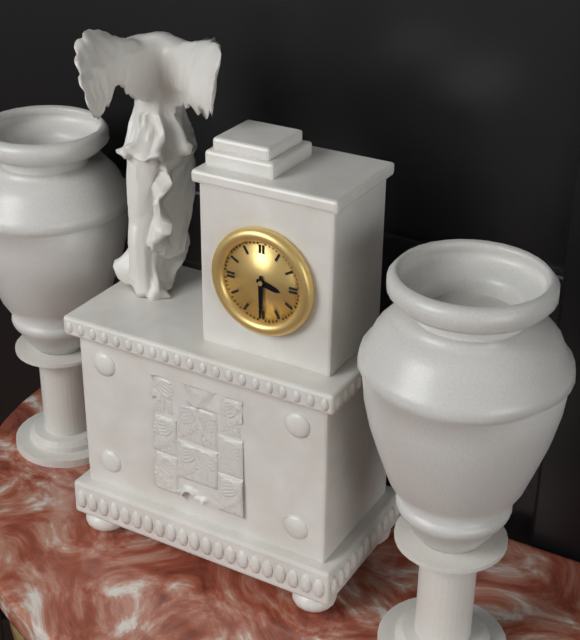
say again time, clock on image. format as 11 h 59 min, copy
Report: 3 h 30 min
